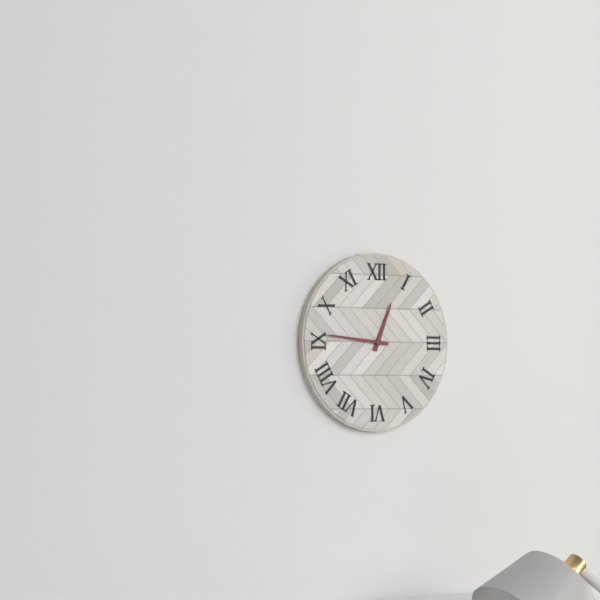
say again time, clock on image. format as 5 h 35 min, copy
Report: 12 h 46 min
